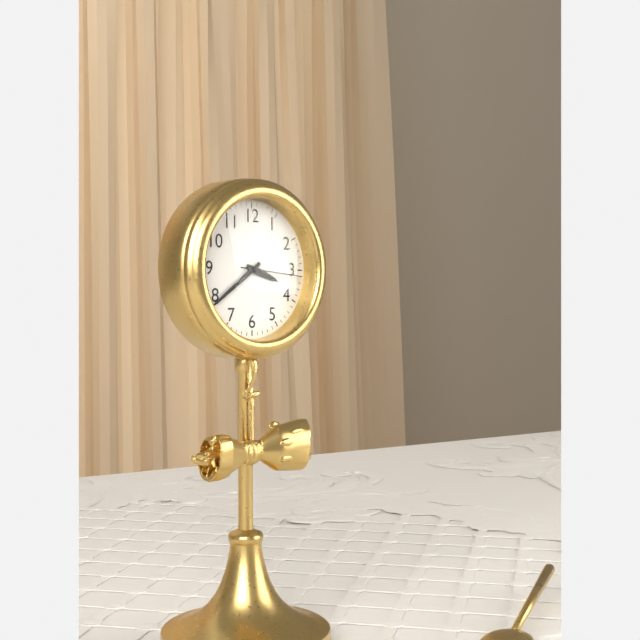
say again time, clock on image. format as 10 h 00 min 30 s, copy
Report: 3 h 39 min 16 s
